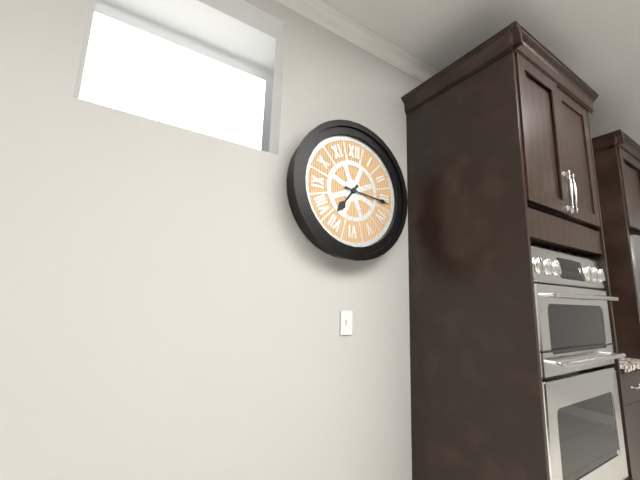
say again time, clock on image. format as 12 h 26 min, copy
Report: 7 h 16 min
